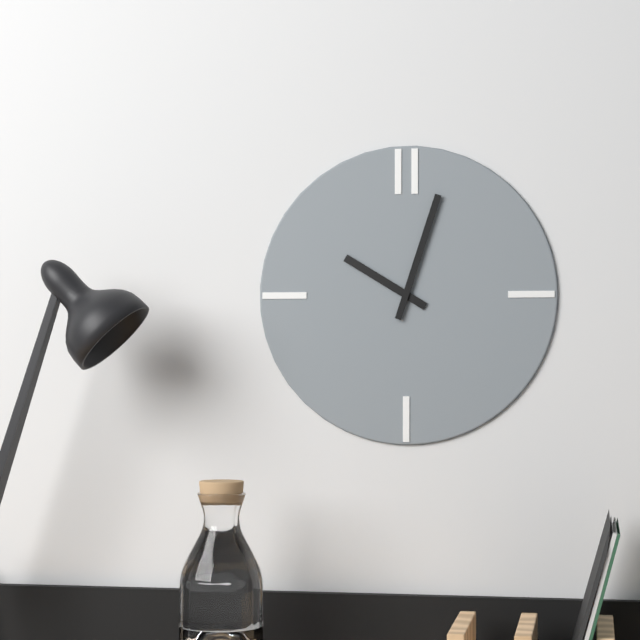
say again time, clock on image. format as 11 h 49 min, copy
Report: 10 h 03 min
